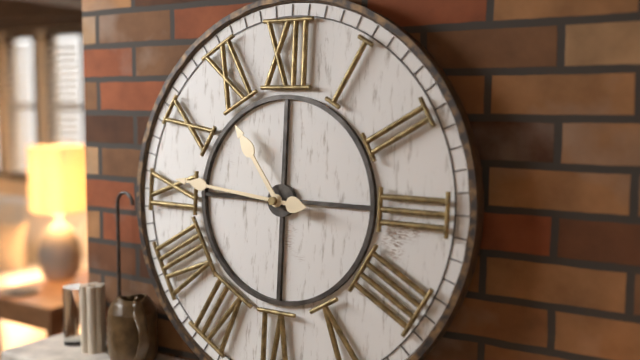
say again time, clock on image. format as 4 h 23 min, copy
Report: 10 h 46 min
